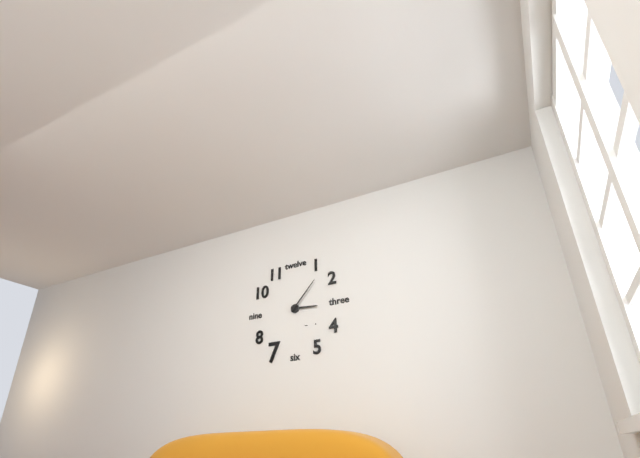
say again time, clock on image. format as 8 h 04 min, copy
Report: 3 h 07 min
